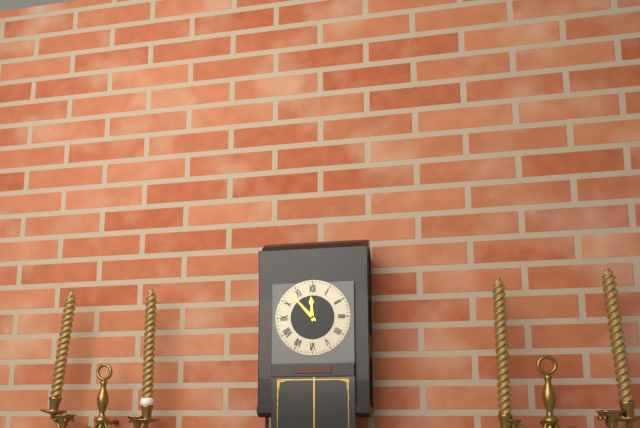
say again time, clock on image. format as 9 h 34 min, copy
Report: 11 h 53 min
